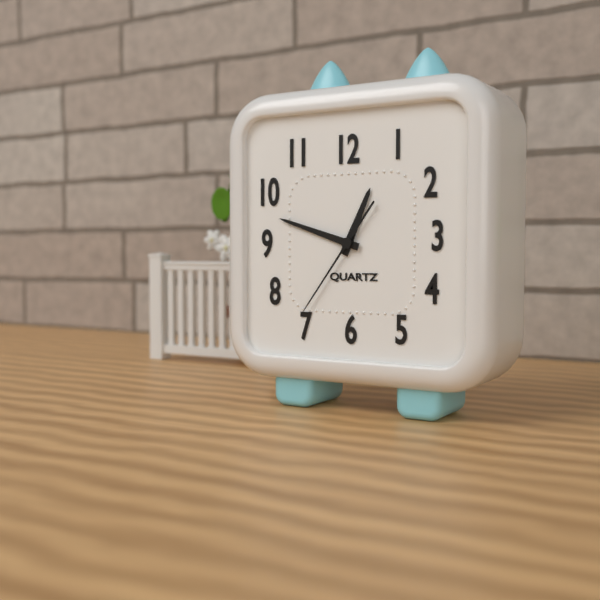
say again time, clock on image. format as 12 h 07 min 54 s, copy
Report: 12 h 48 min 36 s
